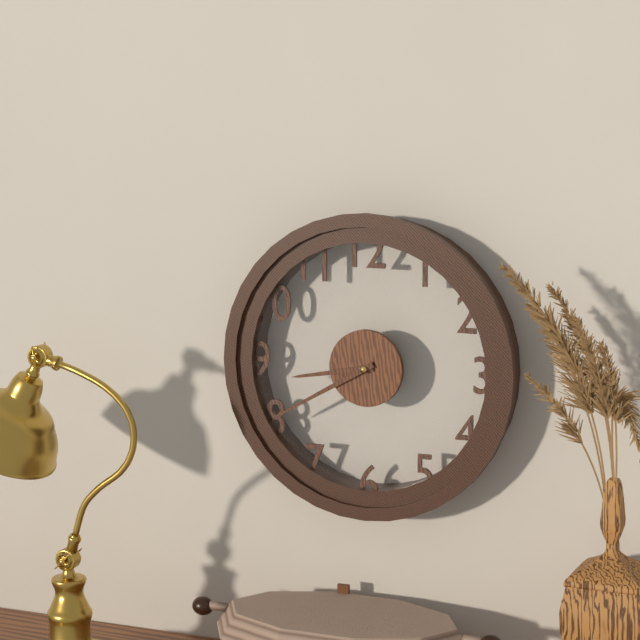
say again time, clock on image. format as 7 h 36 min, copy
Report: 8 h 40 min
